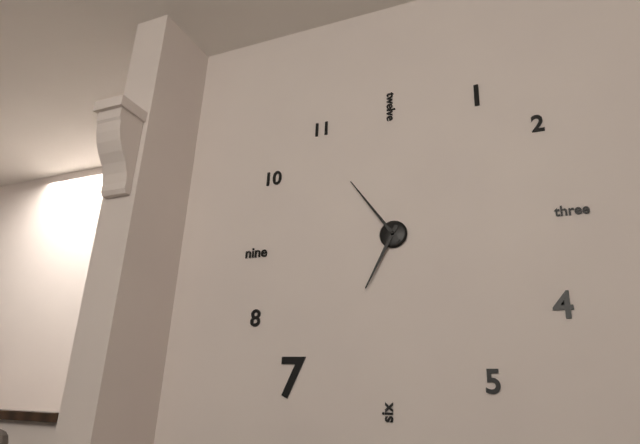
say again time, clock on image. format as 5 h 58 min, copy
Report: 6 h 54 min
